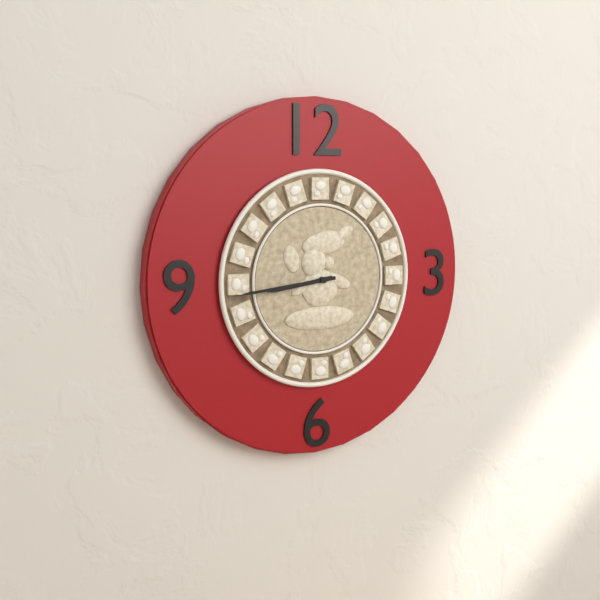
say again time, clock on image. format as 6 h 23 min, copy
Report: 8 h 44 min
